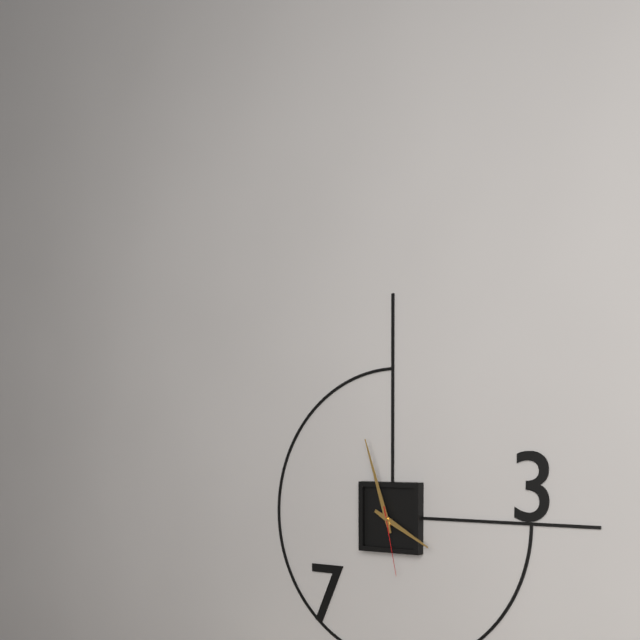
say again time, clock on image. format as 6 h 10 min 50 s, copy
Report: 3 h 57 min 28 s
